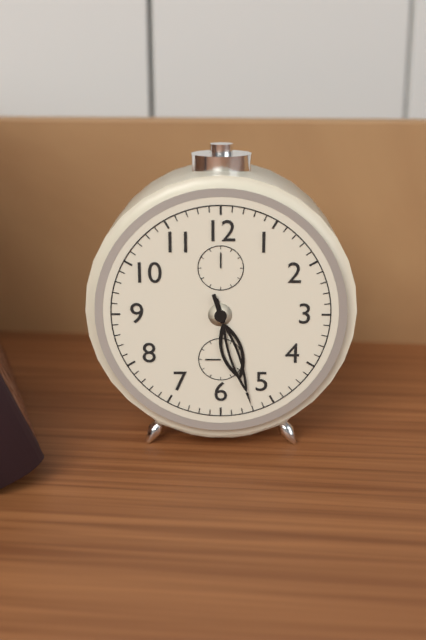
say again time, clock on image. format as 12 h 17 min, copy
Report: 5 h 27 min
